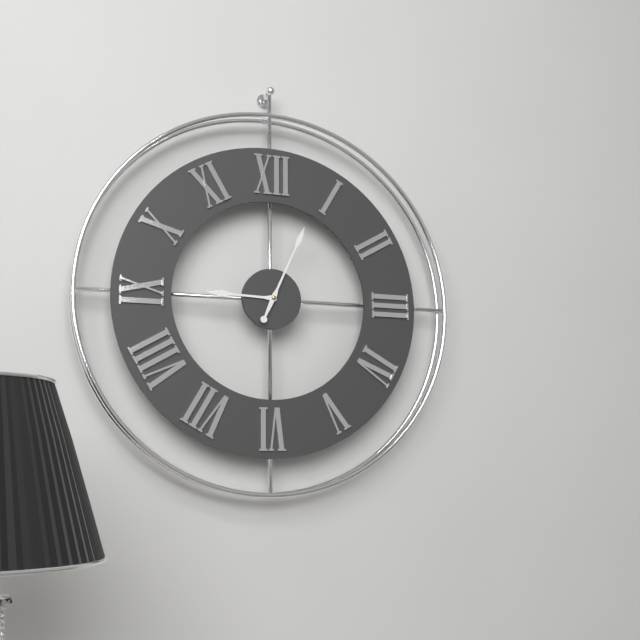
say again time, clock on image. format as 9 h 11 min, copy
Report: 9 h 04 min
